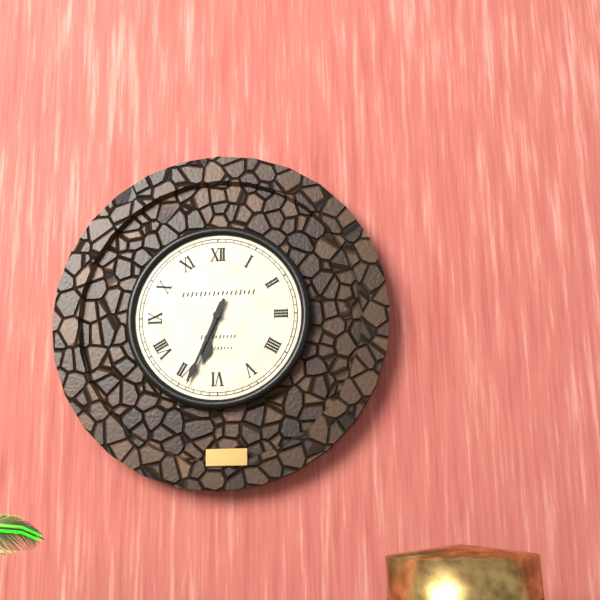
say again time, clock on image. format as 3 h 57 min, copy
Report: 6 h 34 min
